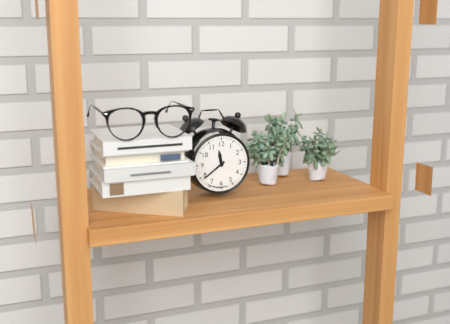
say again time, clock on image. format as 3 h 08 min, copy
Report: 11 h 39 min
